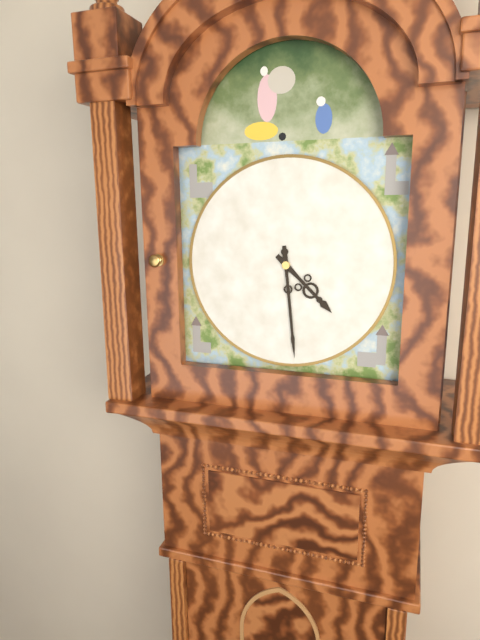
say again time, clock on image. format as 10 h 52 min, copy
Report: 4 h 29 min
